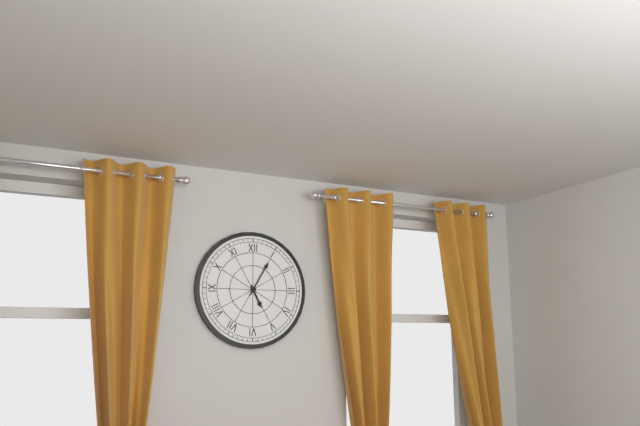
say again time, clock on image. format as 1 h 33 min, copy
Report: 5 h 05 min
